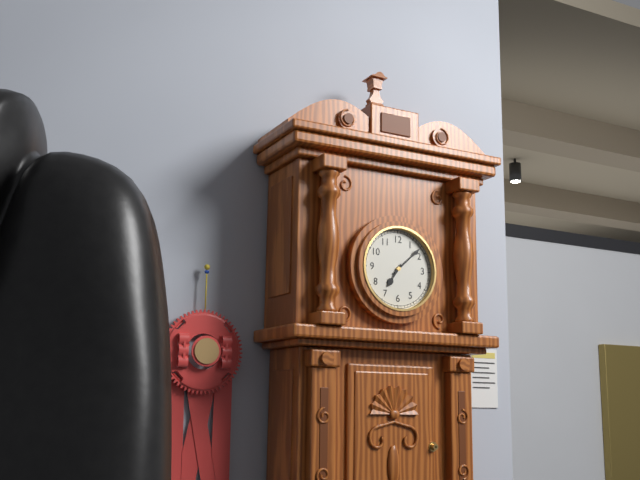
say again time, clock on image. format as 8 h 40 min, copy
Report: 7 h 08 min
